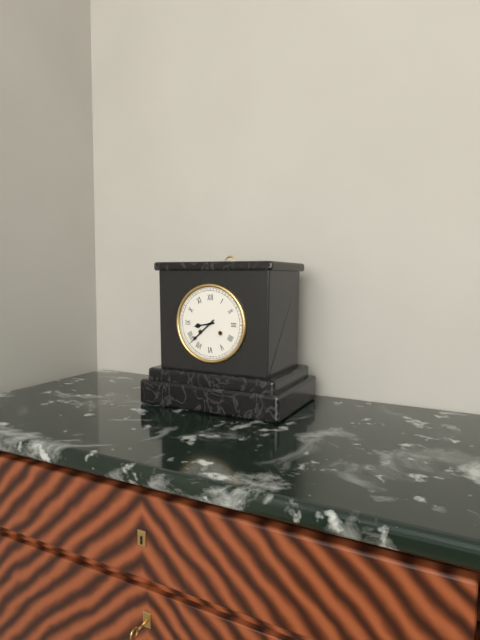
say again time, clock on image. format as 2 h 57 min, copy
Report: 8 h 38 min
